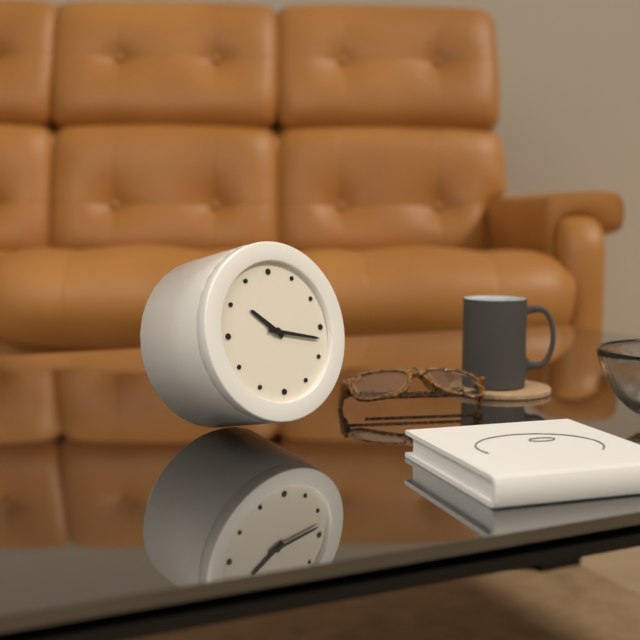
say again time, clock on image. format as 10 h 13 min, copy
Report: 10 h 17 min
